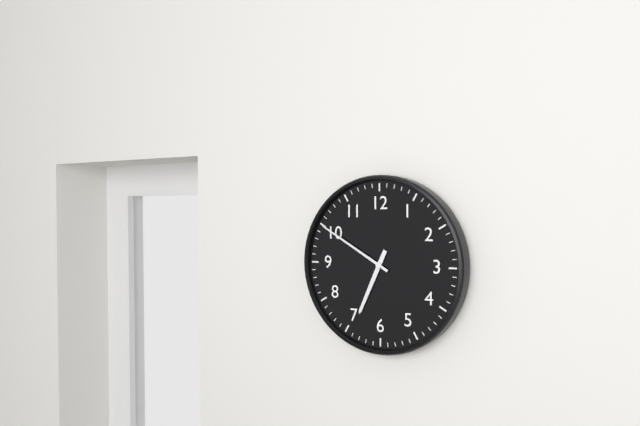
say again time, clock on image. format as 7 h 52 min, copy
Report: 6 h 50 min
